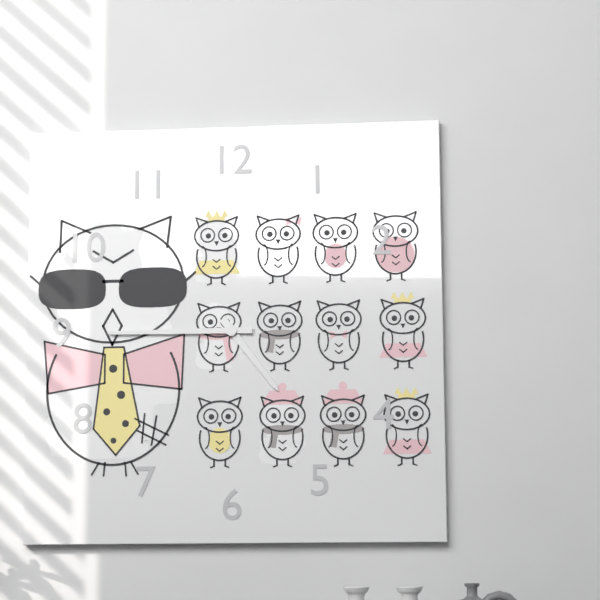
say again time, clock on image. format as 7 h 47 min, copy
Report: 4 h 45 min
